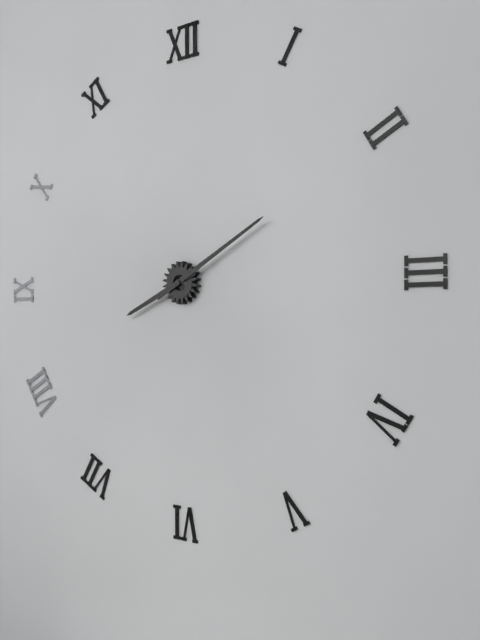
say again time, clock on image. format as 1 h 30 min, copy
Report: 8 h 10 min
